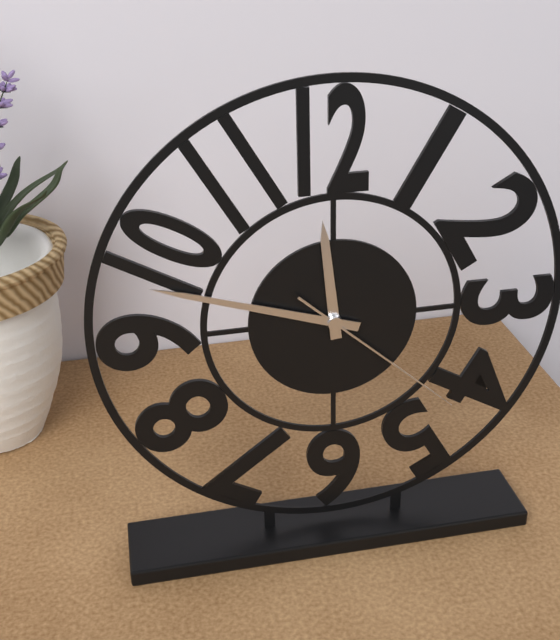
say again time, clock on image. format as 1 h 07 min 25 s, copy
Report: 11 h 48 min 22 s
